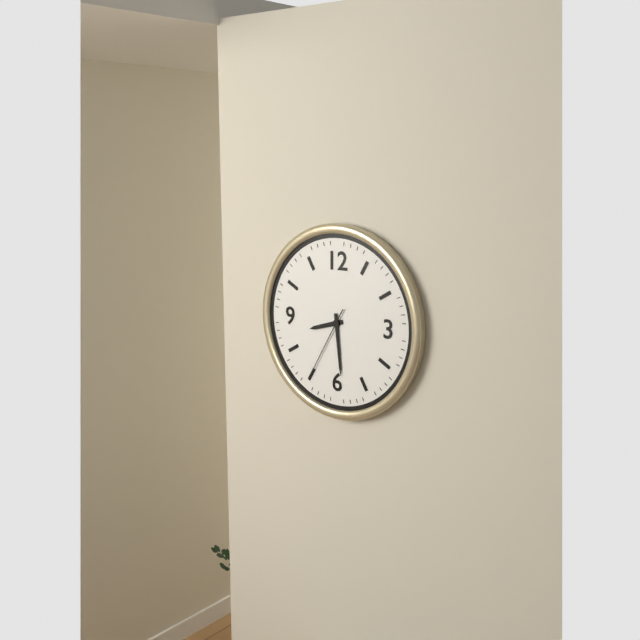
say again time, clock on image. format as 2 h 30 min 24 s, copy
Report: 8 h 29 min 35 s
